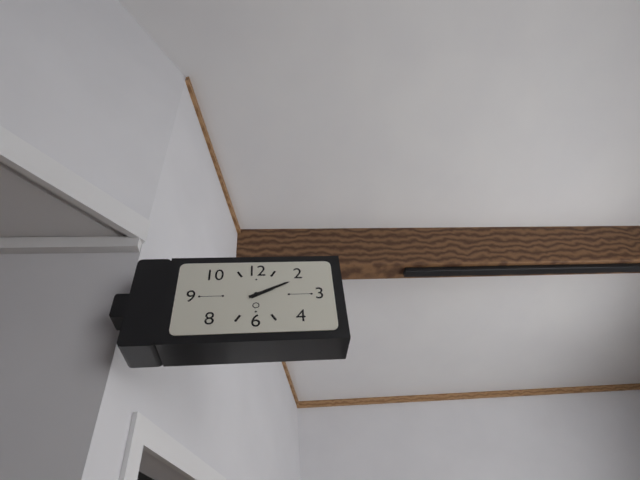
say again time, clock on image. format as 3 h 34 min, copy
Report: 2 h 11 min
